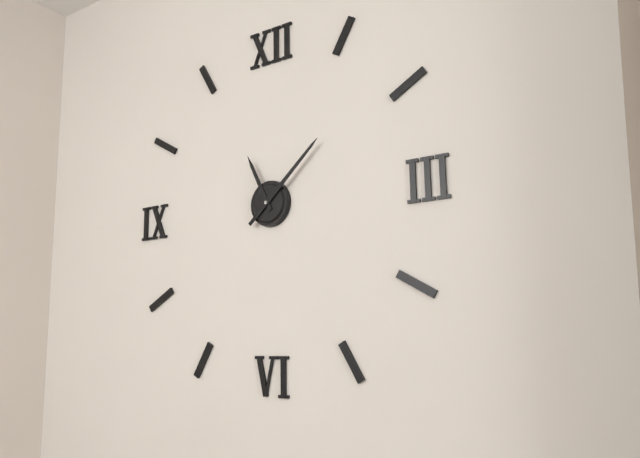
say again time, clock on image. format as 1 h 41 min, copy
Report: 11 h 08 min
